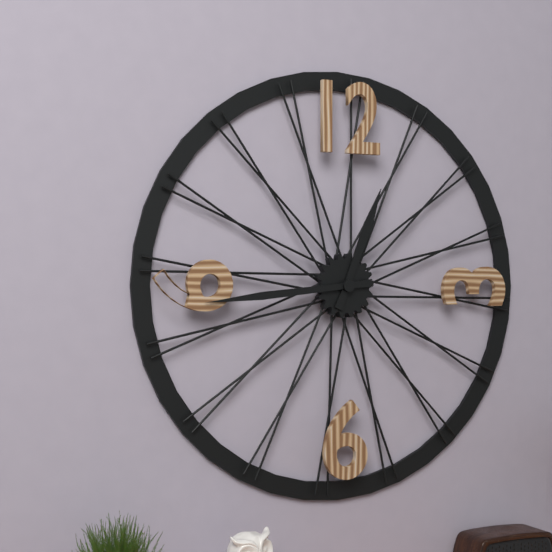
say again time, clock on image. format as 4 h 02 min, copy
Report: 12 h 44 min
